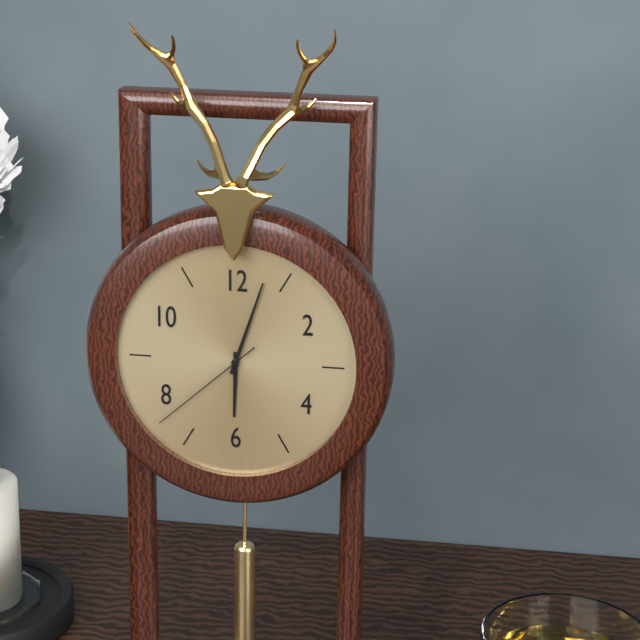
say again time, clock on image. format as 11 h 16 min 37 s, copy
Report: 6 h 03 min 38 s
